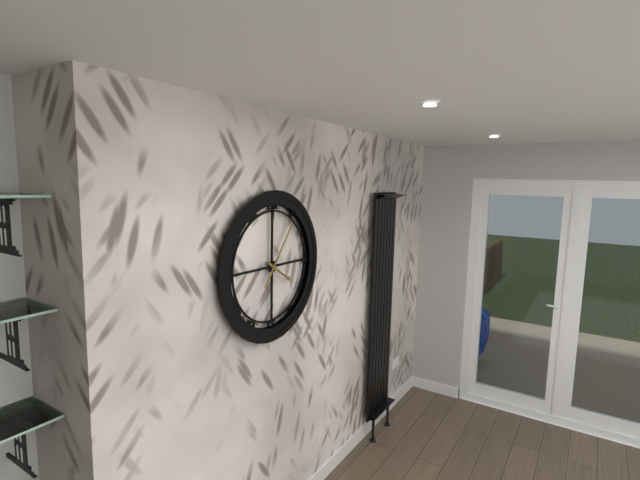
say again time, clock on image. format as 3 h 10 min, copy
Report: 4 h 06 min
